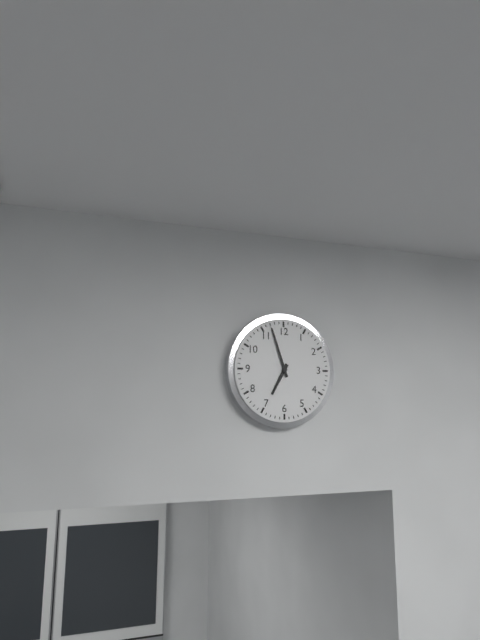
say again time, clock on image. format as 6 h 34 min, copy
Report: 6 h 57 min
